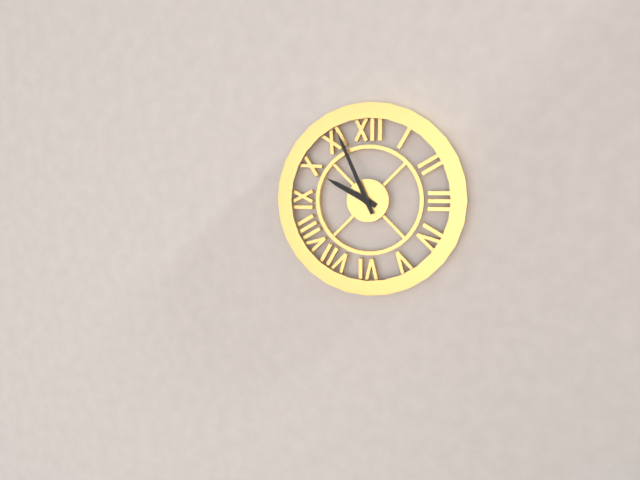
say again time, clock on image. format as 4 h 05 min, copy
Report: 9 h 56 min
